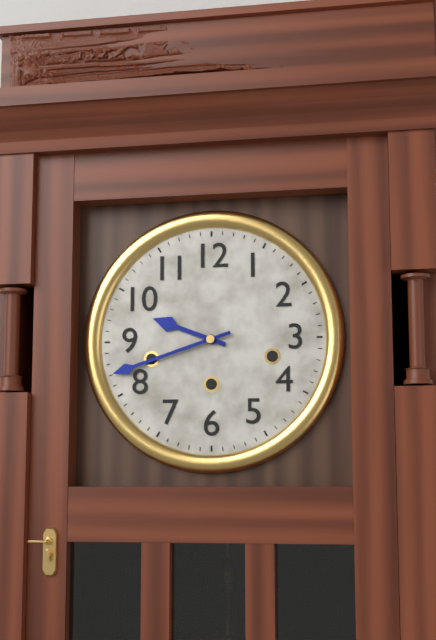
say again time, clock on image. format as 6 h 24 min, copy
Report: 9 h 42 min
